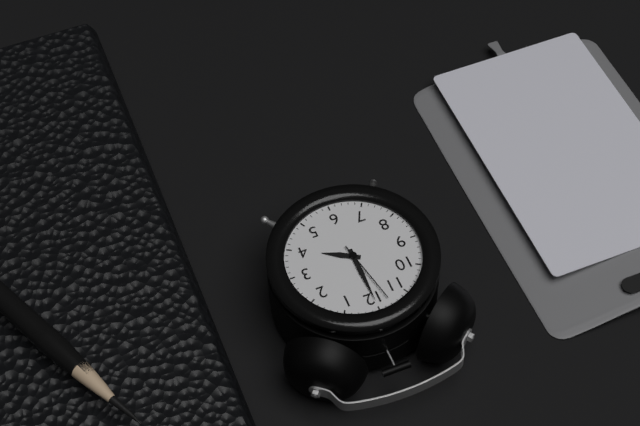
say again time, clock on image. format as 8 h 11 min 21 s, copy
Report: 4 h 00 min 58 s
